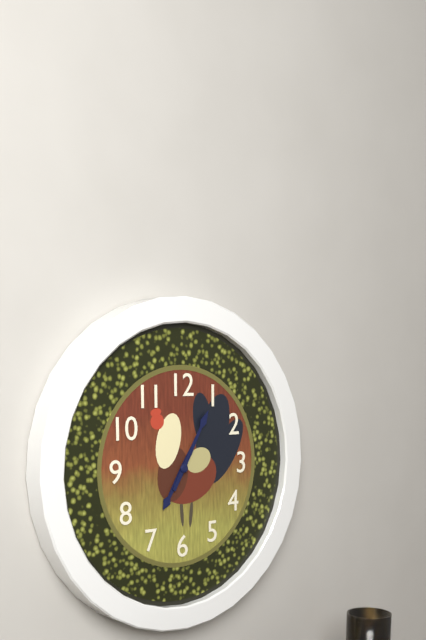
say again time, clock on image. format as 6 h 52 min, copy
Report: 7 h 05 min
